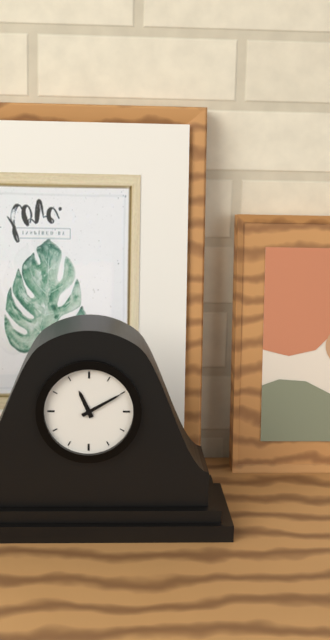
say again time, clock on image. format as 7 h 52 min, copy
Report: 11 h 10 min
